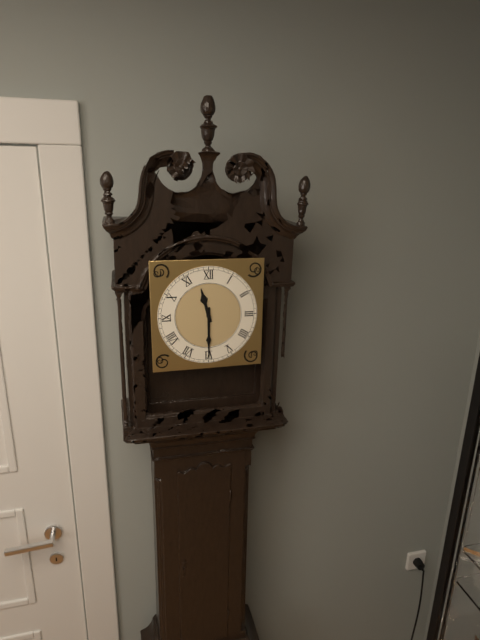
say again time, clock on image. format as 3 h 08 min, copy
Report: 11 h 30 min
